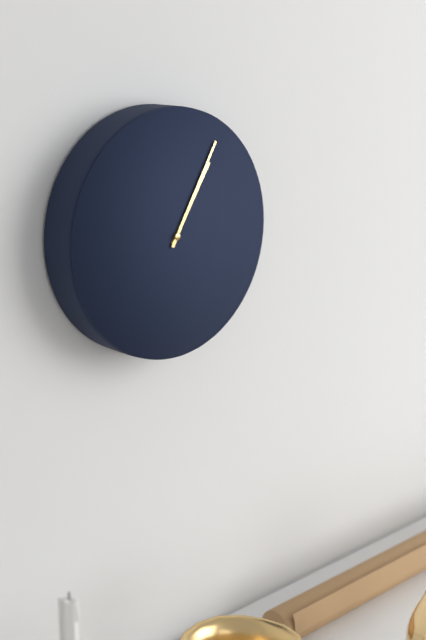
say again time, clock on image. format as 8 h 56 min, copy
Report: 1 h 05 min
